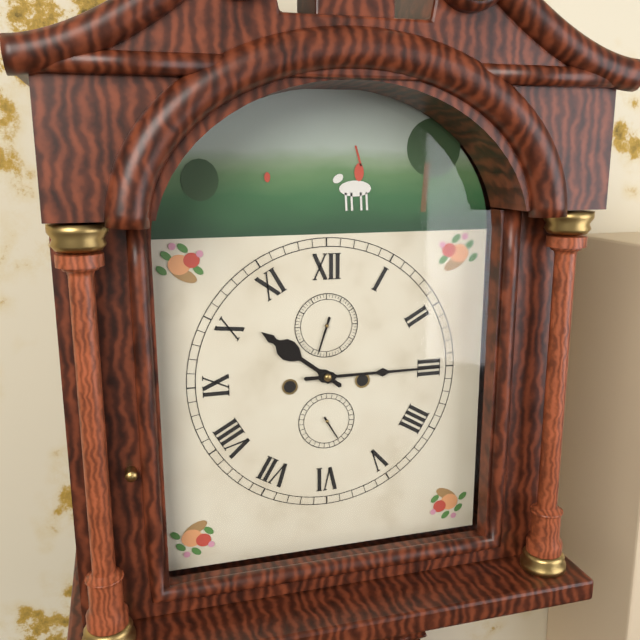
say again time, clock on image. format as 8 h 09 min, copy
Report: 10 h 15 min
